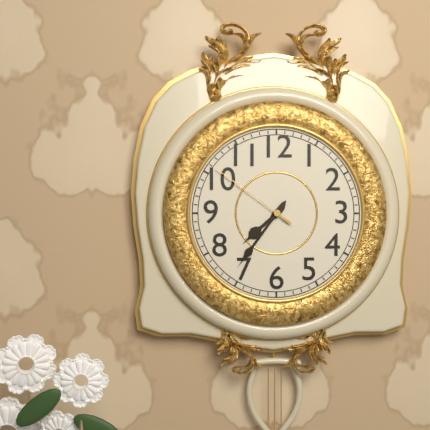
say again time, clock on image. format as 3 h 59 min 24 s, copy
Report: 7 h 36 min 51 s
